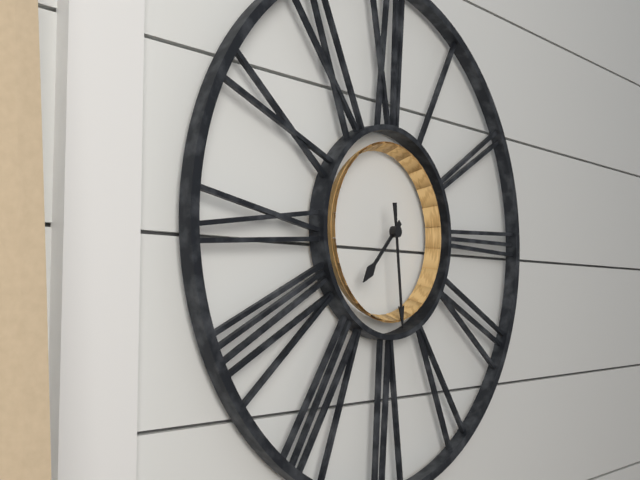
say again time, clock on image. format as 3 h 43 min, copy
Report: 7 h 29 min
